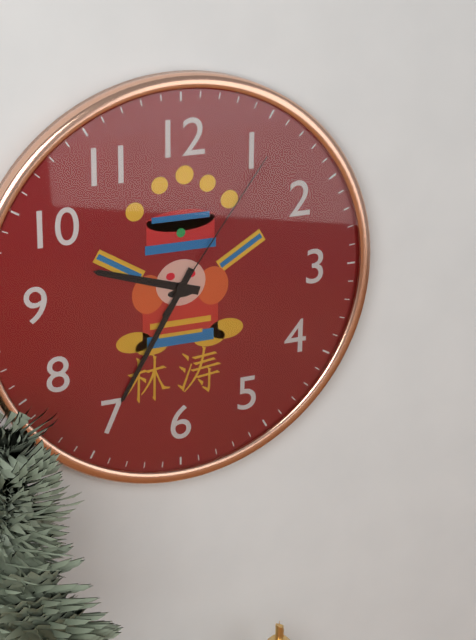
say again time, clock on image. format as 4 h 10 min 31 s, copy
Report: 9 h 35 min 06 s
